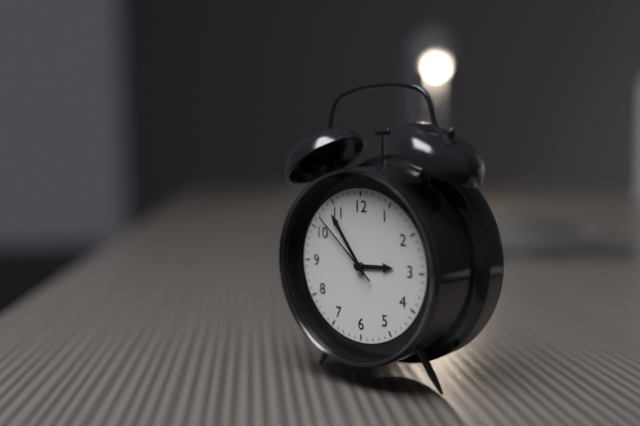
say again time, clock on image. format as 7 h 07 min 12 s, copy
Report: 2 h 54 min 52 s
